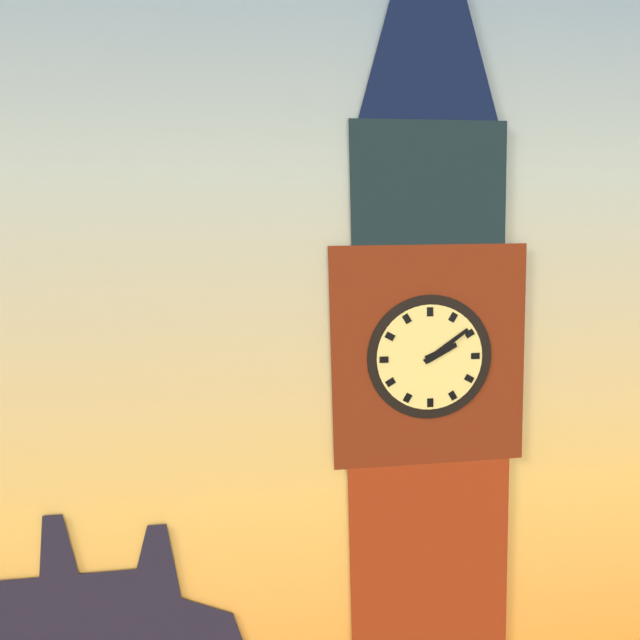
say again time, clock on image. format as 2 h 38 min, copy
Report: 2 h 09 min
